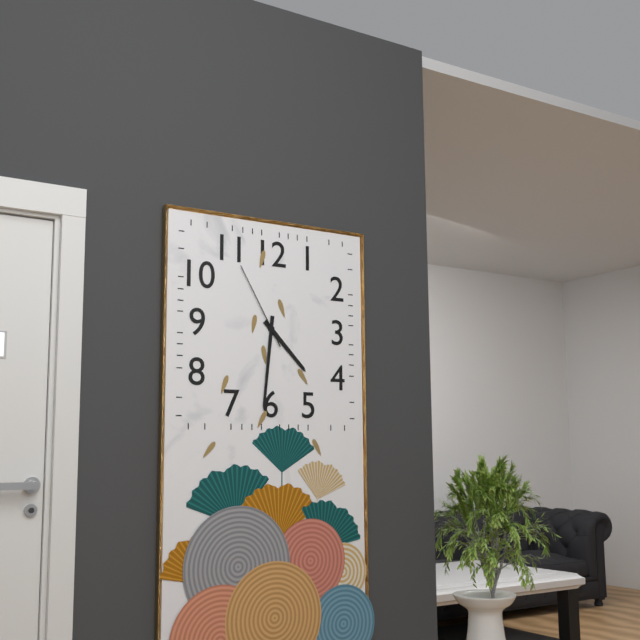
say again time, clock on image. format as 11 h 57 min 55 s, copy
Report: 4 h 31 min 55 s
